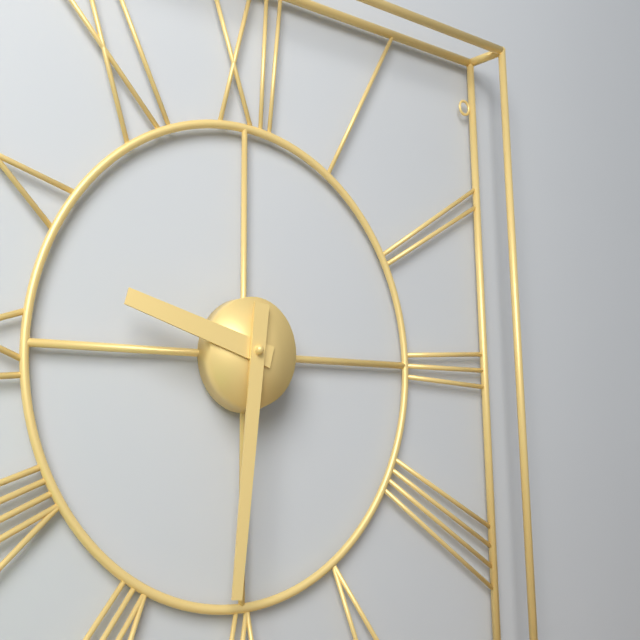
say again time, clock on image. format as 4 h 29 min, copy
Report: 9 h 31 min
